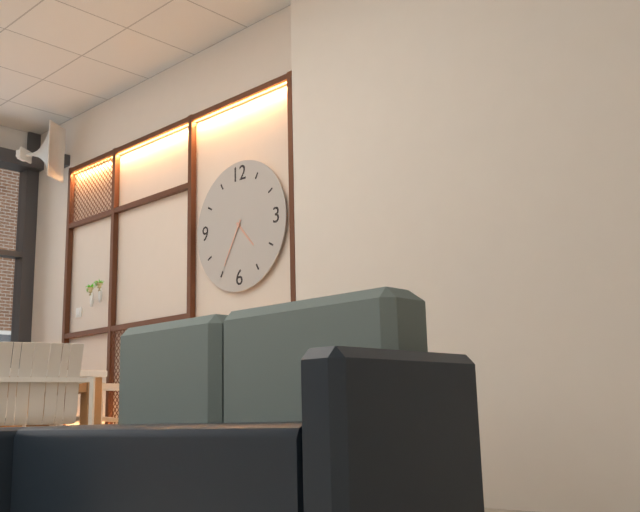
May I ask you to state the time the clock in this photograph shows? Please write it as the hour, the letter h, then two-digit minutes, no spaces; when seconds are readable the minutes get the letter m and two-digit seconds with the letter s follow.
4h35
